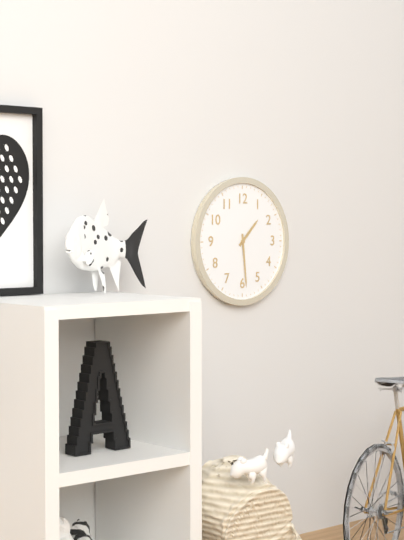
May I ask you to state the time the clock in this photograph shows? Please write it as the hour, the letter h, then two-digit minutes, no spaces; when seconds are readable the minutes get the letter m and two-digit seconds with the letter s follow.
1h29
